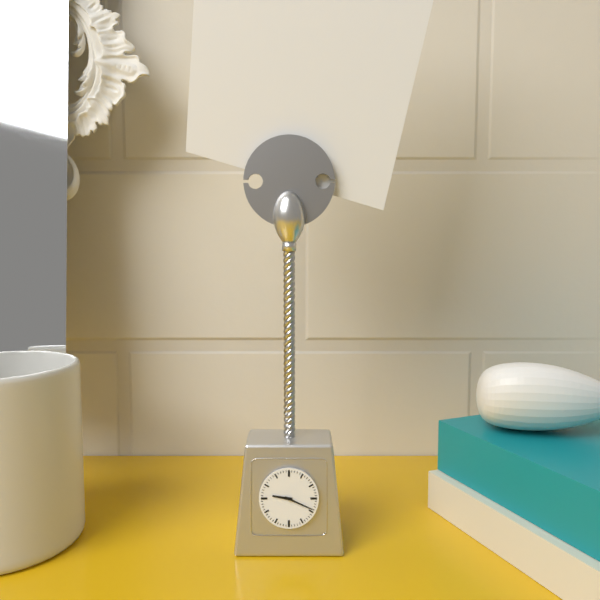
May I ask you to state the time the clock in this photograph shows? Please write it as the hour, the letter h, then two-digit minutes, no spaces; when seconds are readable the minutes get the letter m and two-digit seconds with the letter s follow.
9h19
